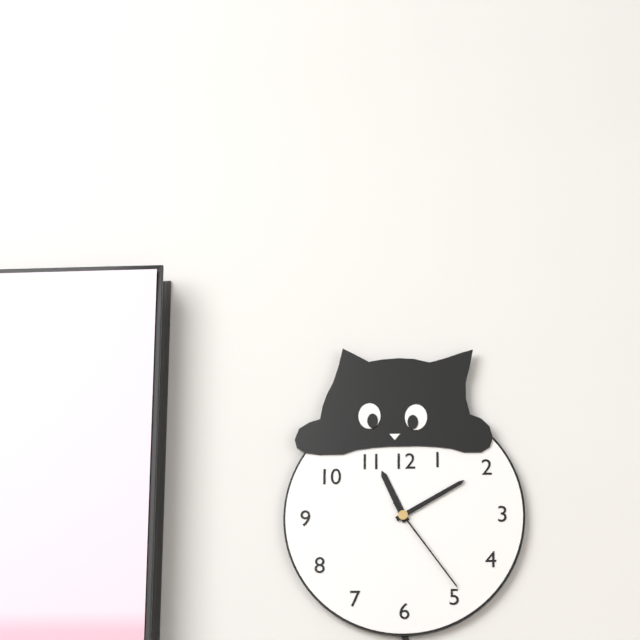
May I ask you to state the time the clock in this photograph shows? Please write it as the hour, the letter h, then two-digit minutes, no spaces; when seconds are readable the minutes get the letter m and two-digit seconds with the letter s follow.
11h10m24s
